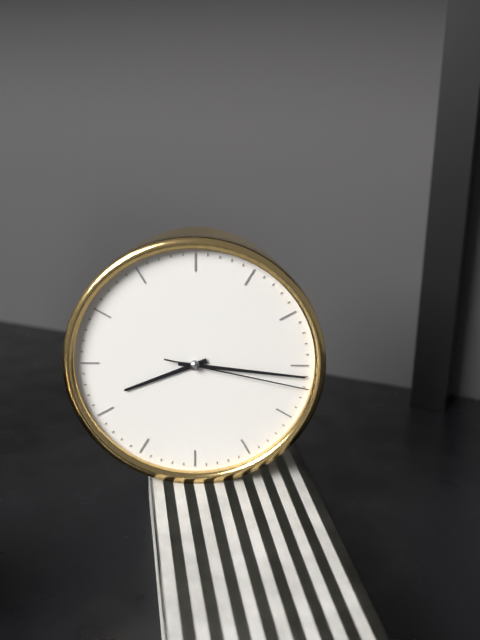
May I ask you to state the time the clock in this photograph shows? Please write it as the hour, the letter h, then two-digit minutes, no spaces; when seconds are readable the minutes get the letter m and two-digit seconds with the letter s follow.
8h16m17s
